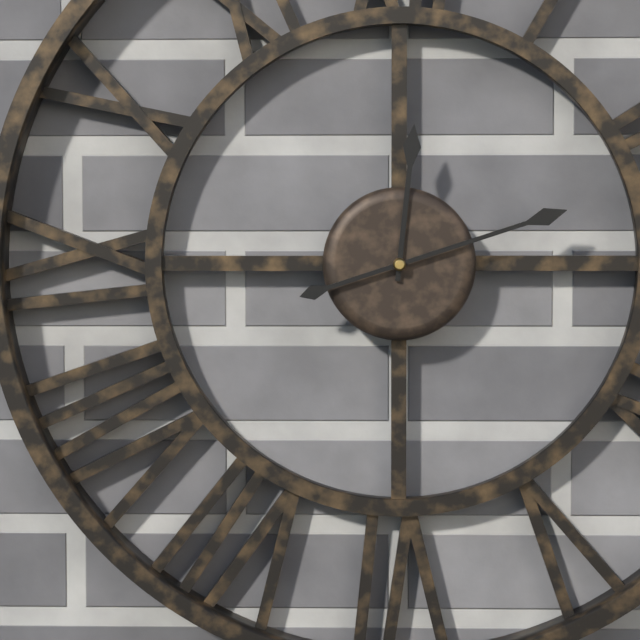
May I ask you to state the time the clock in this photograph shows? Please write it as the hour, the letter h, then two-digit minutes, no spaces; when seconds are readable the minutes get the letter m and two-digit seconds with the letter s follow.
12h12
